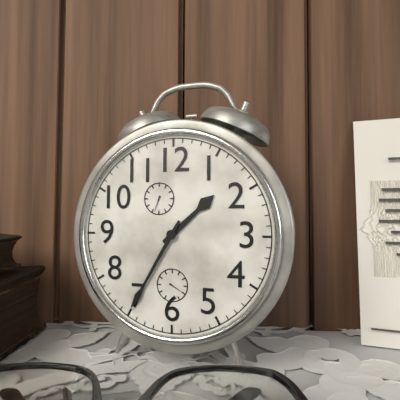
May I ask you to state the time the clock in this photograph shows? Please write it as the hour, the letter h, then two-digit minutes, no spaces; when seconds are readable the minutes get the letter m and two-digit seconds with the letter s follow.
1h35
